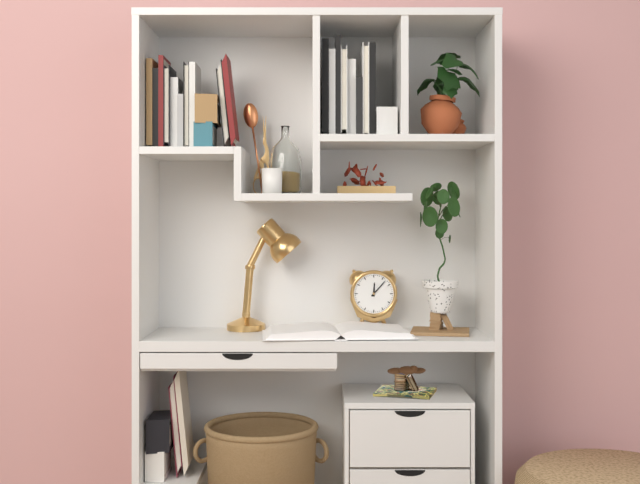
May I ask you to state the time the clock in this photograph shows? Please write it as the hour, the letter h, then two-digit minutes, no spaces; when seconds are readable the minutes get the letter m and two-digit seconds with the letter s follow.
12h07
